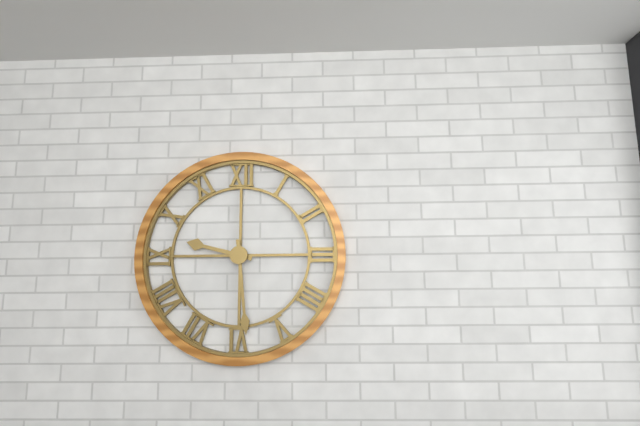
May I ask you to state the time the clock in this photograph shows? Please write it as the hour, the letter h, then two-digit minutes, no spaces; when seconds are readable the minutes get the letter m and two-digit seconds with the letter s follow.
9h29
